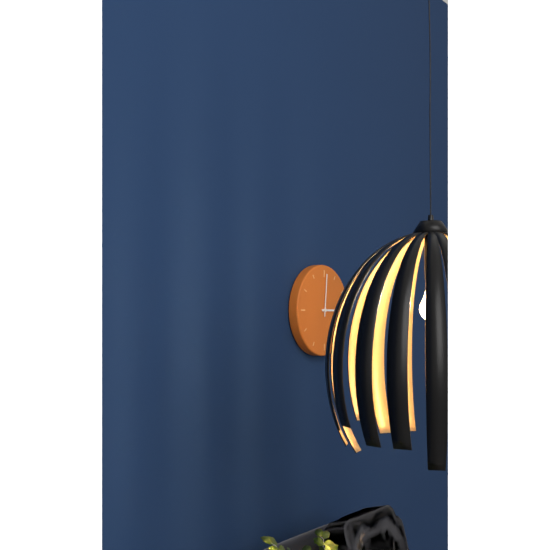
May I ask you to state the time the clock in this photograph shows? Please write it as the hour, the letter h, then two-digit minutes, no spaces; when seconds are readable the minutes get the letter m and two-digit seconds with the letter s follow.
3h01
